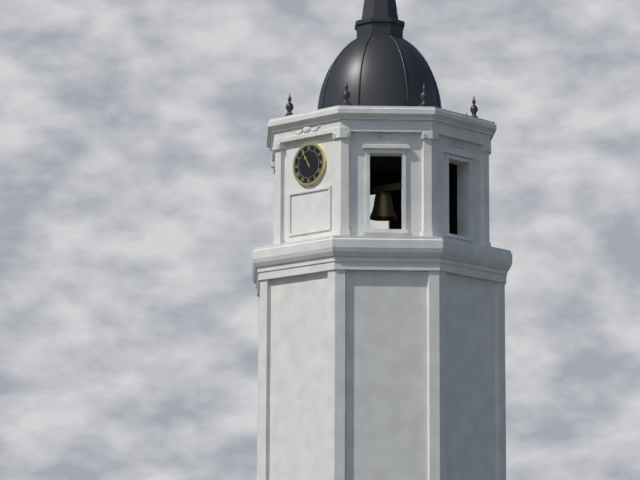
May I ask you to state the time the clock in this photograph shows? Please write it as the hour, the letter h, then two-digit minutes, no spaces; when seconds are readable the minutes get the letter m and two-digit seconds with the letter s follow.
10h55
